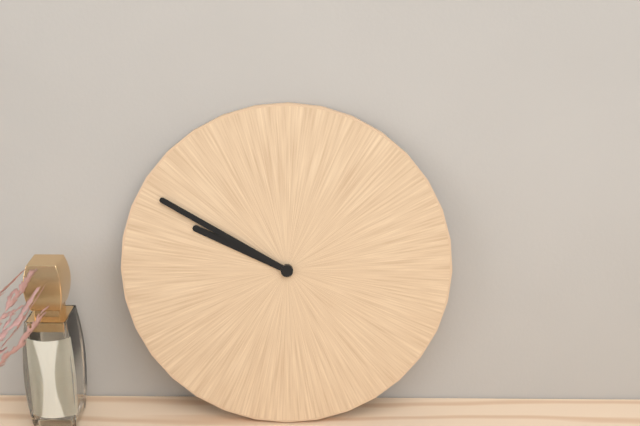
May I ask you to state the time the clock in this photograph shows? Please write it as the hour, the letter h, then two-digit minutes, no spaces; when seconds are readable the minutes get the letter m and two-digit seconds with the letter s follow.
9h50
